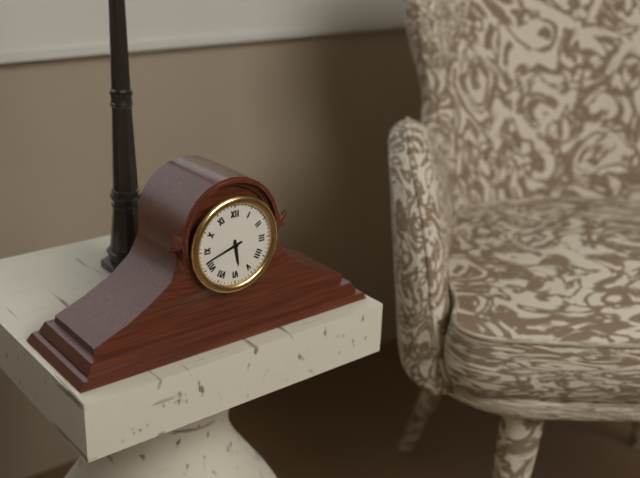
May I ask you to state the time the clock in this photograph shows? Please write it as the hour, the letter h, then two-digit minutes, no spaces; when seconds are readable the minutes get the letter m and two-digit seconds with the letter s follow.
5h42
